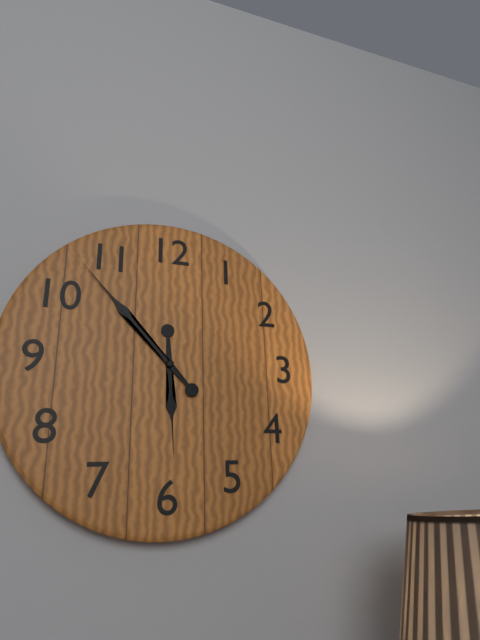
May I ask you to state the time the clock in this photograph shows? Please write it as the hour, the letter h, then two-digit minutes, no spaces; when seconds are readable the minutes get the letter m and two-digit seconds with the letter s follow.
5h53
